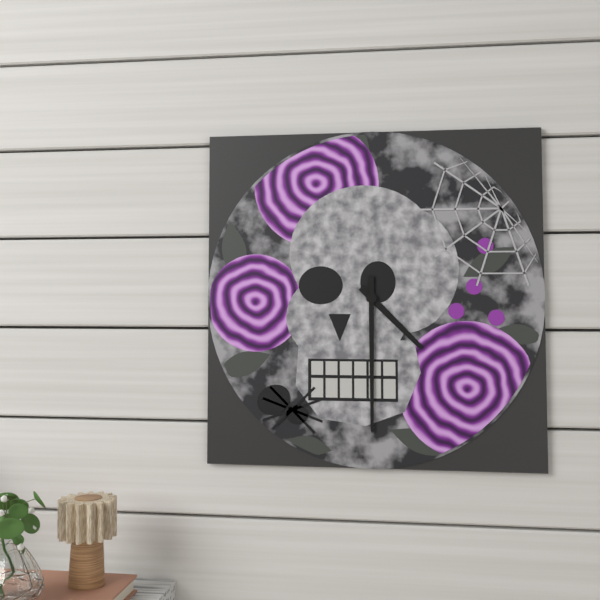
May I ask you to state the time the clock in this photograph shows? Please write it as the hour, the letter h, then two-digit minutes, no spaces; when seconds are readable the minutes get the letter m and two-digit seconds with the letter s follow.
4h30
